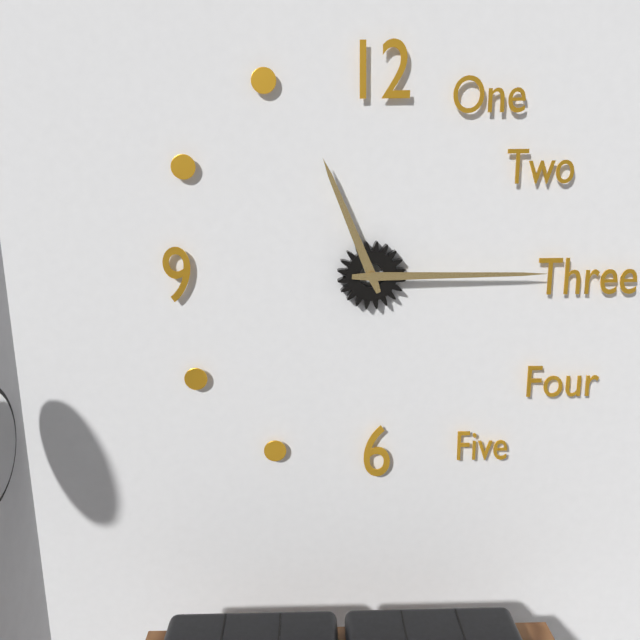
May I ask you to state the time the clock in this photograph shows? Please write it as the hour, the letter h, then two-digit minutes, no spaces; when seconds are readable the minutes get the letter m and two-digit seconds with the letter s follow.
11h15
